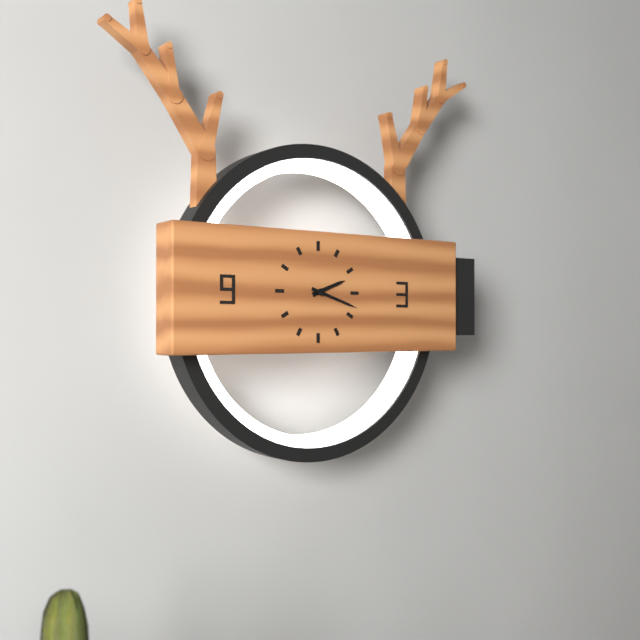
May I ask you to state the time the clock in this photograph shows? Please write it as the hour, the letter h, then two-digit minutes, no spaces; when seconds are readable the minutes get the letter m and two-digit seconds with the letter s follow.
2h18
